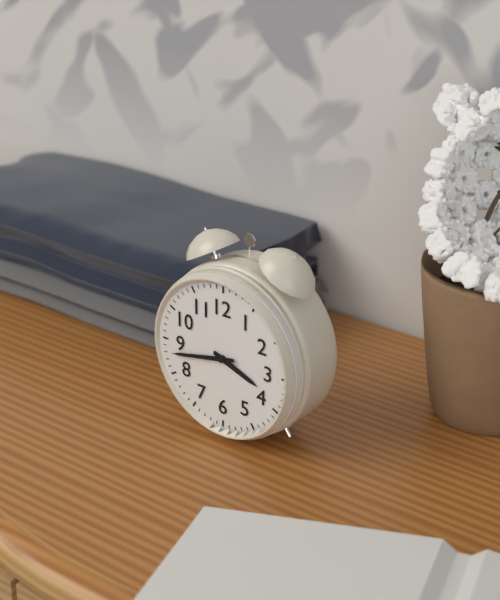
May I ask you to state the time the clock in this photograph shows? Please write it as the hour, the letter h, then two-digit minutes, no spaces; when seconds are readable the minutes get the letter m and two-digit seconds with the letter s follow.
3h43
